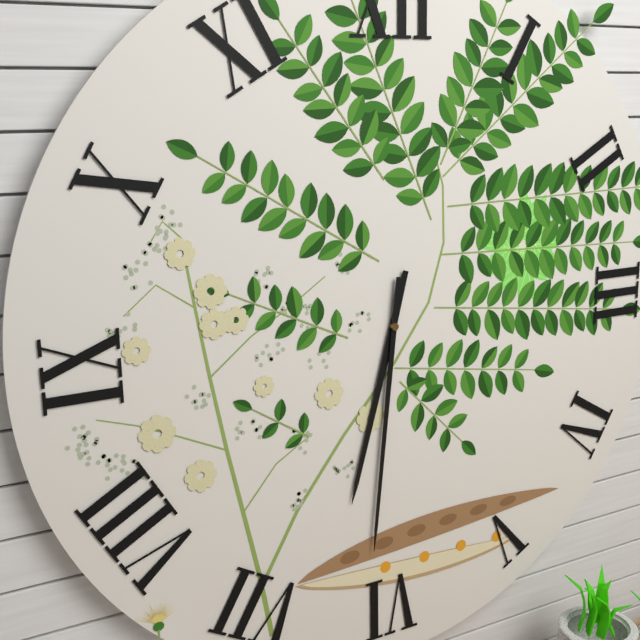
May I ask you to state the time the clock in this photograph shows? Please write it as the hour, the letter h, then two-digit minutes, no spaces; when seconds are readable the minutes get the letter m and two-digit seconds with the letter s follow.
6h31
